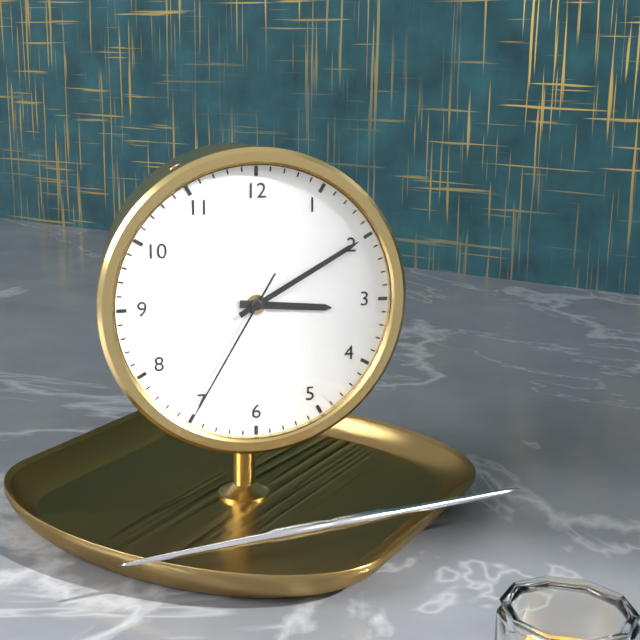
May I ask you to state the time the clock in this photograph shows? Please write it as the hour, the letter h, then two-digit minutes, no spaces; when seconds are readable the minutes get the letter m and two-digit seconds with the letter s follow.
3h10m35s
